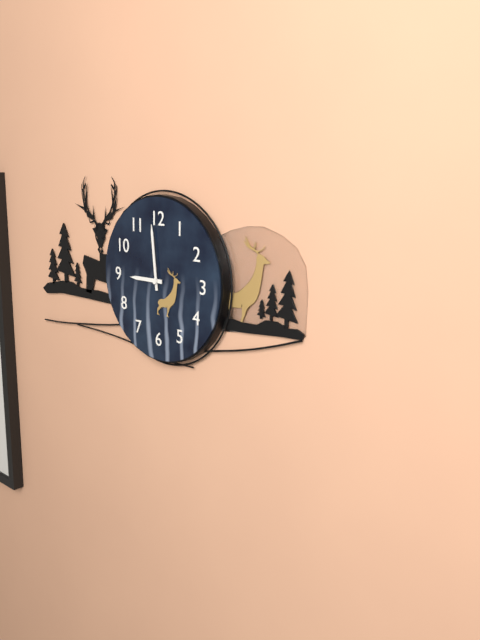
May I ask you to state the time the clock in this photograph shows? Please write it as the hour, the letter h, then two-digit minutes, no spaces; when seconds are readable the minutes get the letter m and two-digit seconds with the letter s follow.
8h59
